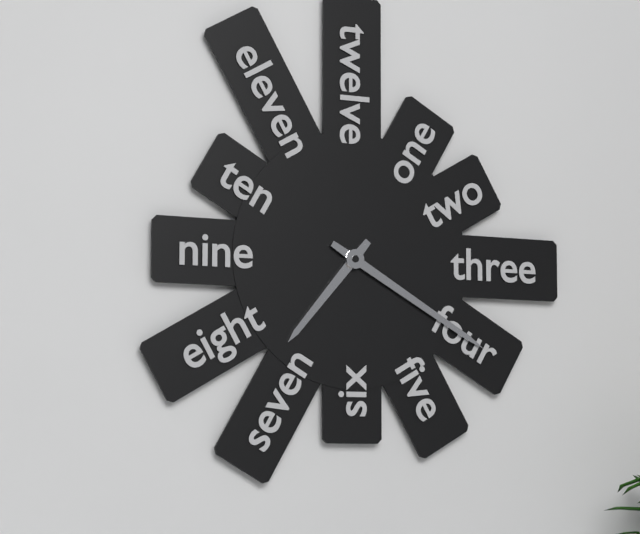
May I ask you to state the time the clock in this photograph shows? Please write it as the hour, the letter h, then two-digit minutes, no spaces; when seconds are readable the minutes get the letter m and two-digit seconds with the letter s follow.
7h20
